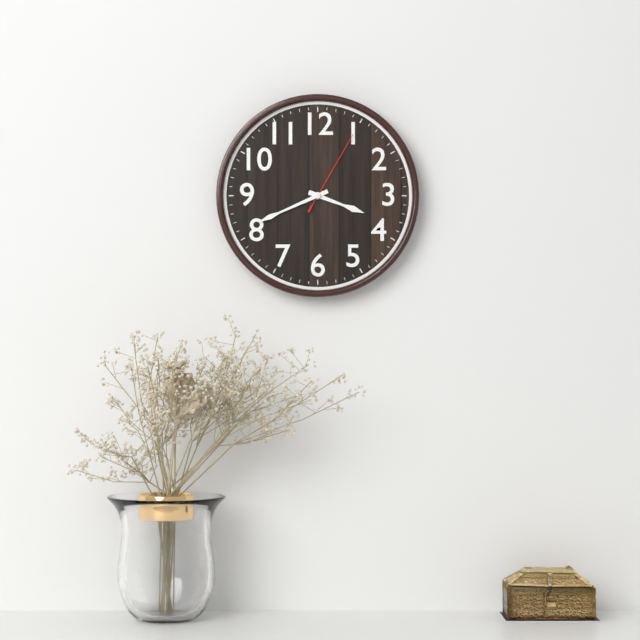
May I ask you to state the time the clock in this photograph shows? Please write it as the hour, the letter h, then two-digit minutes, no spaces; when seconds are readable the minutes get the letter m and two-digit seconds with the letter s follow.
3h41m05s
